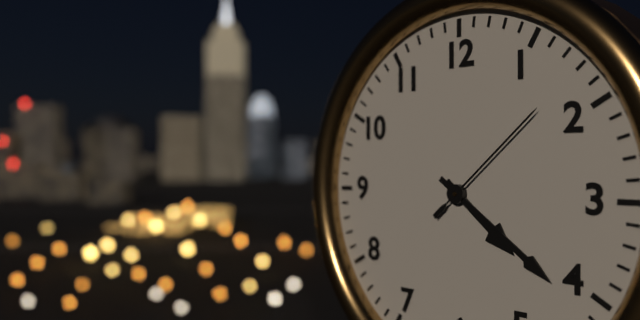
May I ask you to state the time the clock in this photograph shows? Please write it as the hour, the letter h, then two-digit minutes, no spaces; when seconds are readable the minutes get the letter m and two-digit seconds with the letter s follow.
4h21m08s
